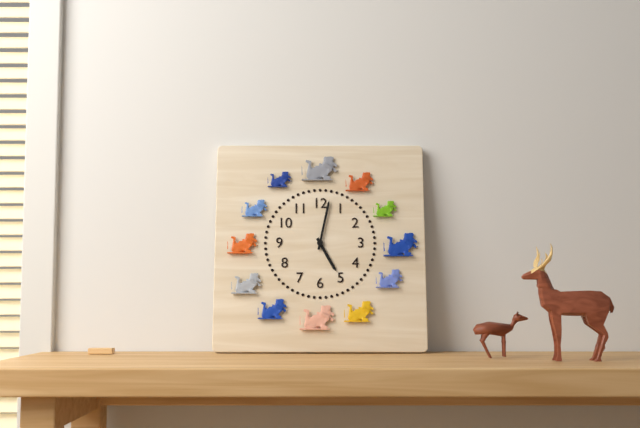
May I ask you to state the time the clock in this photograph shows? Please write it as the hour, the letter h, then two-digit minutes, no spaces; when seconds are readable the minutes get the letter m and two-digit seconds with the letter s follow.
5h02
